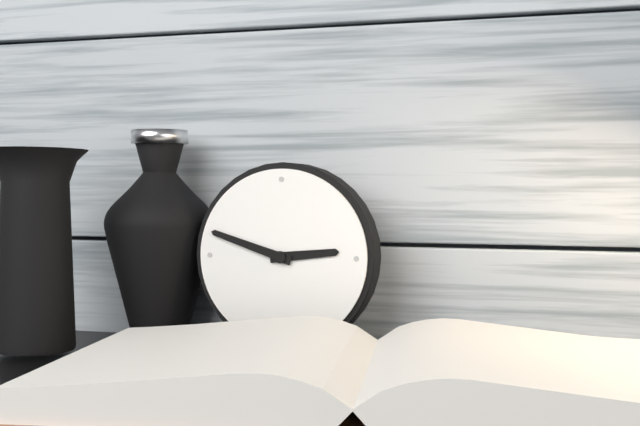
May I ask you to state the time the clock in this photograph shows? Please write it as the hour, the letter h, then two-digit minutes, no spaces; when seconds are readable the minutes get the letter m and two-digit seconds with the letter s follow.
2h48
